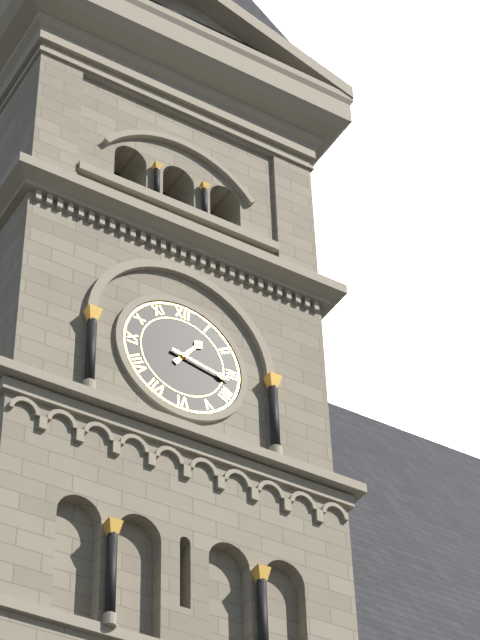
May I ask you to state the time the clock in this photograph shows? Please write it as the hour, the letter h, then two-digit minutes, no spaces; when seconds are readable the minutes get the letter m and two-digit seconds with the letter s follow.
1h17
